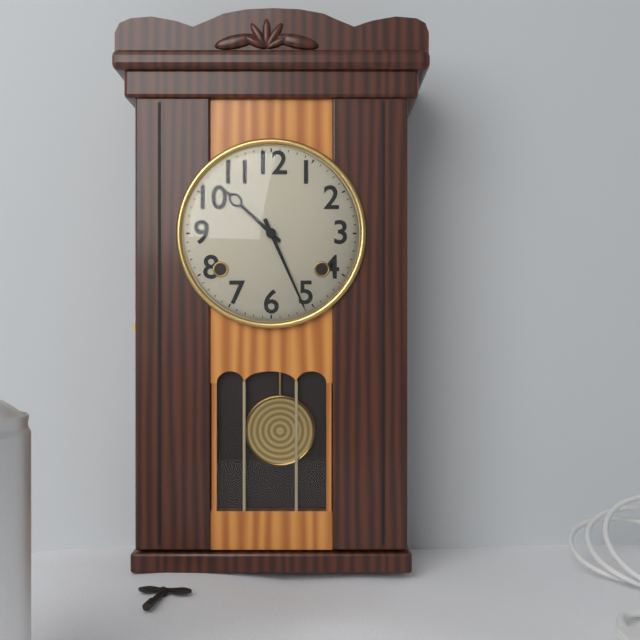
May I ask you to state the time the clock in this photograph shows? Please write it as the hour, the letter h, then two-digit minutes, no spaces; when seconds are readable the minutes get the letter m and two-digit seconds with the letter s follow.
10h26
